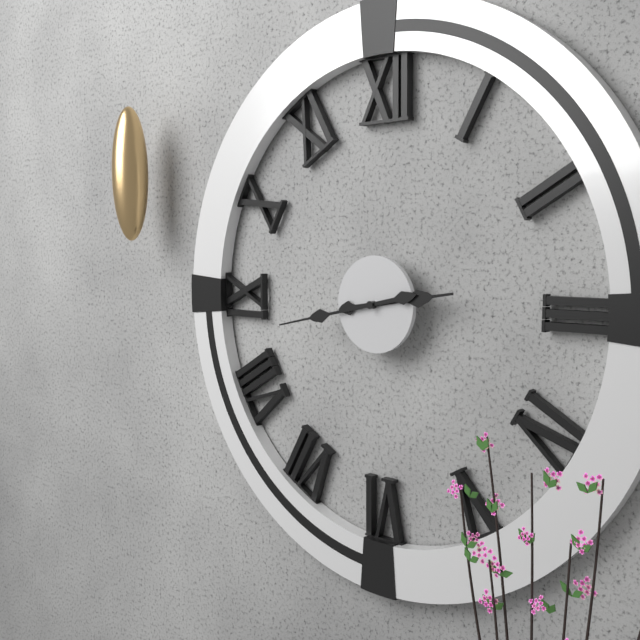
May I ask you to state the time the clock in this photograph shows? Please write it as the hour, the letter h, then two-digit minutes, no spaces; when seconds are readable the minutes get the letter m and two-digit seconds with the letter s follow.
2h43
